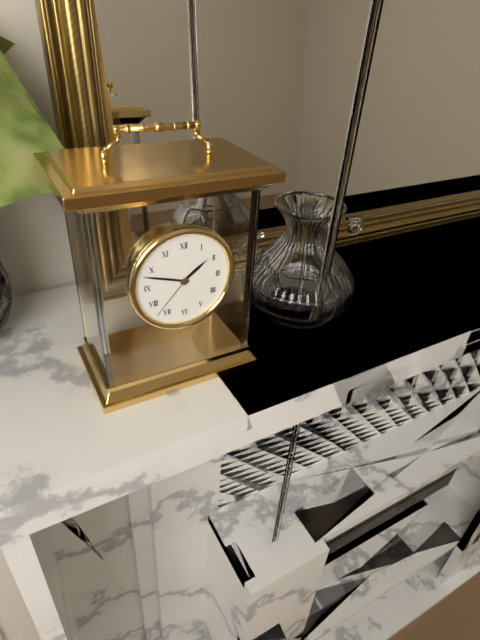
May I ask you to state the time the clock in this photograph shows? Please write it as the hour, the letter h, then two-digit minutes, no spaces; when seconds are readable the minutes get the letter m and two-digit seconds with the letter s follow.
1h48m37s
